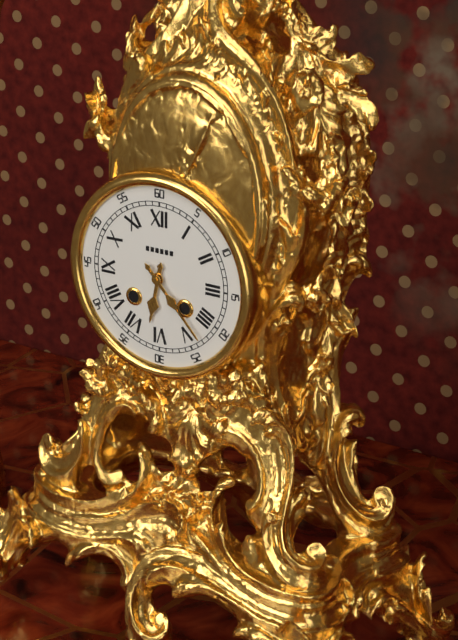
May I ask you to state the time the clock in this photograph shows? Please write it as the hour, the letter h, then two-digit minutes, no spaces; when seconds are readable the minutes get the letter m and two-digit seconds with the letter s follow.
6h23
